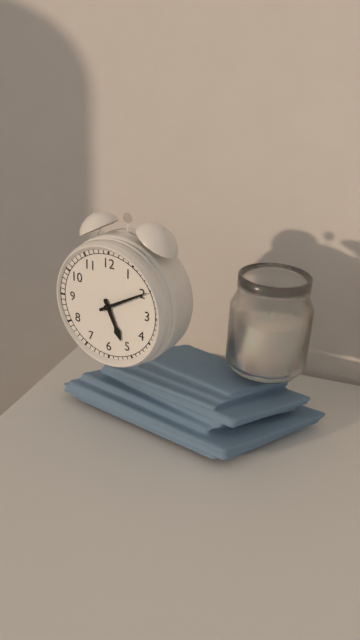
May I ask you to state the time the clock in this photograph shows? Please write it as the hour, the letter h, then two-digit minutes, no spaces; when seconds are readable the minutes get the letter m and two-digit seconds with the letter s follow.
5h10
